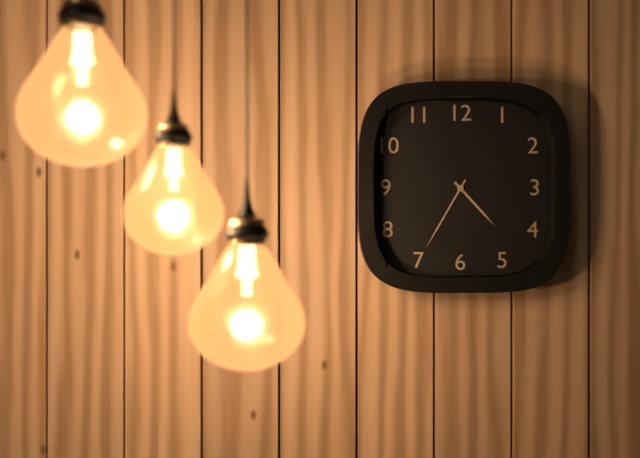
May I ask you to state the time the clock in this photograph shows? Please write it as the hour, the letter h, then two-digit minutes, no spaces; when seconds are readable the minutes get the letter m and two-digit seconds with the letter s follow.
4h35
